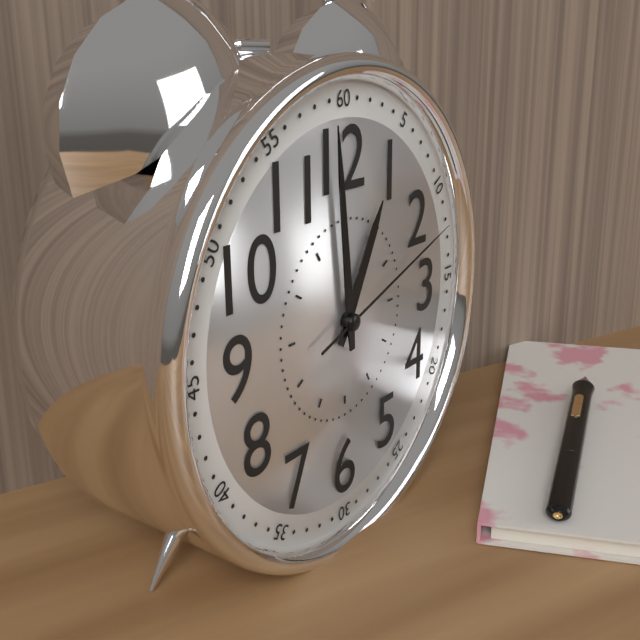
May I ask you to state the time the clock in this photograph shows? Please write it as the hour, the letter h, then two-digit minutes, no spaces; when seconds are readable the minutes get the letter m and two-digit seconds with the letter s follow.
12h59m12s
